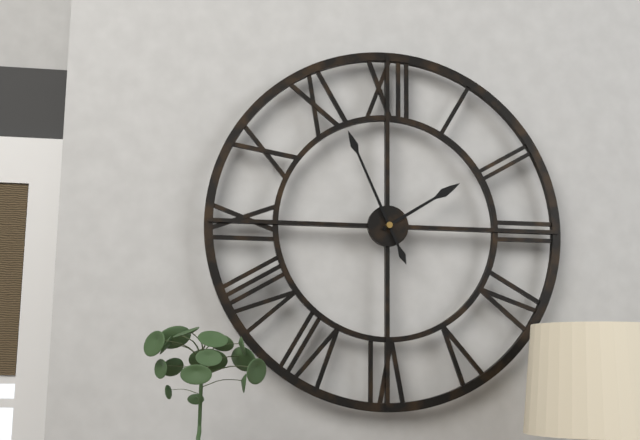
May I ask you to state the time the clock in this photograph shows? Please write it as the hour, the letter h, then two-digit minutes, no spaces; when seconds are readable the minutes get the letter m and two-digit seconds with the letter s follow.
1h56
